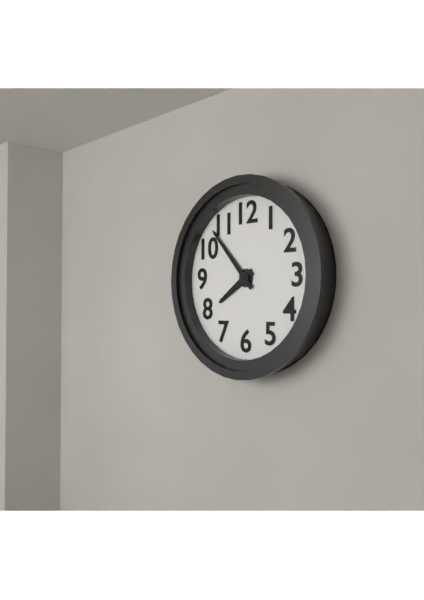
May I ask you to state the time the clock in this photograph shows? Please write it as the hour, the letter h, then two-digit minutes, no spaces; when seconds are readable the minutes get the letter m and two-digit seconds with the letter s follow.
7h53
